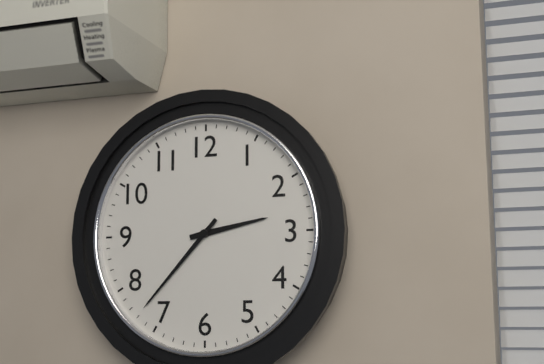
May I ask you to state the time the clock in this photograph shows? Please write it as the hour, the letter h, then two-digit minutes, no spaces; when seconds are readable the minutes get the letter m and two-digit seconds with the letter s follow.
2h37
